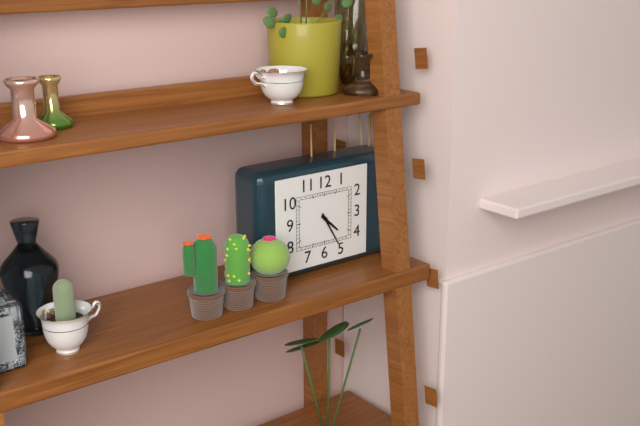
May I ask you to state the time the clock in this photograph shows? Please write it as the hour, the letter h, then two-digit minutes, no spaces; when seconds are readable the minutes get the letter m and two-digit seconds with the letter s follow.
4h25
